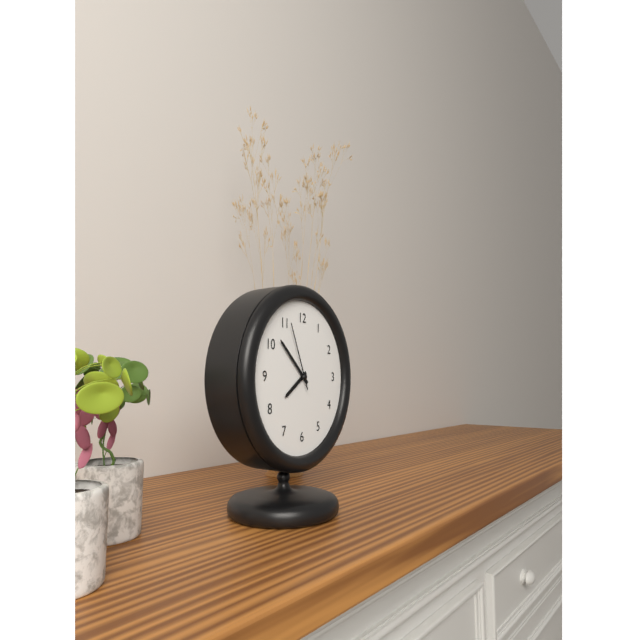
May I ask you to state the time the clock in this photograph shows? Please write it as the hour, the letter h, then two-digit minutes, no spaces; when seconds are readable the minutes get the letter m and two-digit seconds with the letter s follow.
7h52m56s
